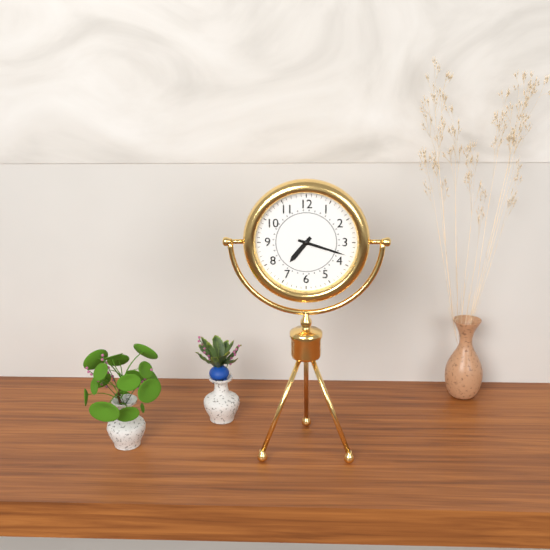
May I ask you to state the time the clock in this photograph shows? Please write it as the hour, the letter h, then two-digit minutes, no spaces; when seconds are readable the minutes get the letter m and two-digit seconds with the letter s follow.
7h18
